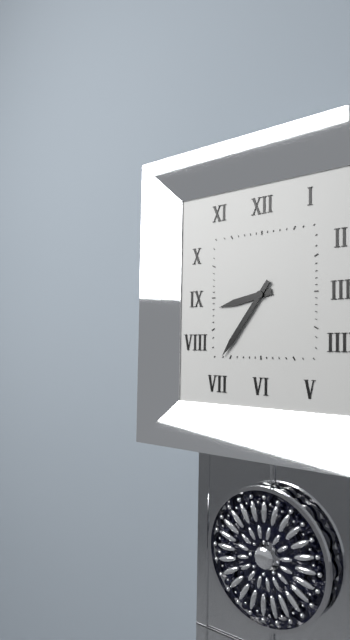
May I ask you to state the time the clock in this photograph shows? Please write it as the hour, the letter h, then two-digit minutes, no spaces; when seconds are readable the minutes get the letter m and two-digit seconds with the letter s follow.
8h36
